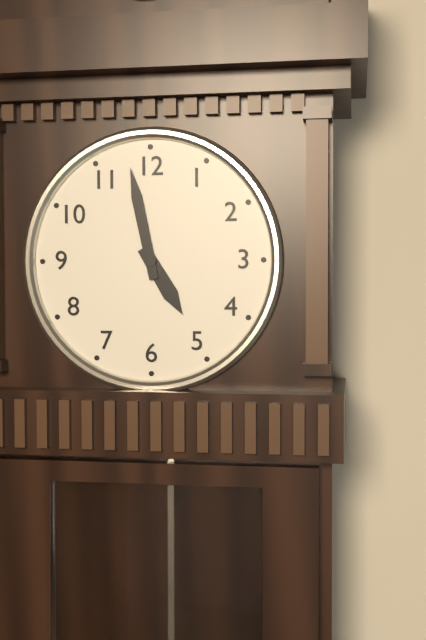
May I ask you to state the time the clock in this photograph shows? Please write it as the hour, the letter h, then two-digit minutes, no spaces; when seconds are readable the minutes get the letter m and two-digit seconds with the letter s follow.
4h58
